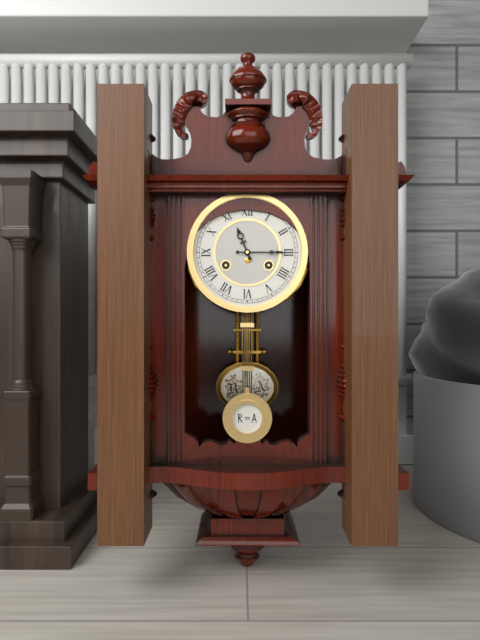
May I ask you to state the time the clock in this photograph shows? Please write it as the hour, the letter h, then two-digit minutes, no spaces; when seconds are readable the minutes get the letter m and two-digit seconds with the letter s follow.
11h15
